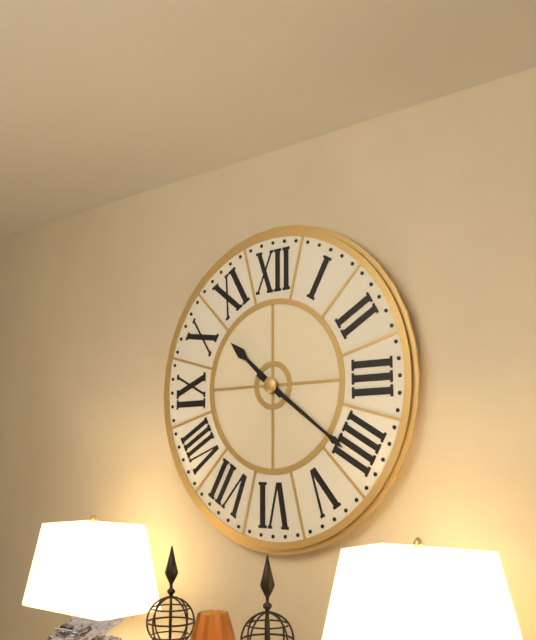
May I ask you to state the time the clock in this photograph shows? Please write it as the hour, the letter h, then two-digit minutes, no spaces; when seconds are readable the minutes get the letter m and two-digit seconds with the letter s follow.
10h21
